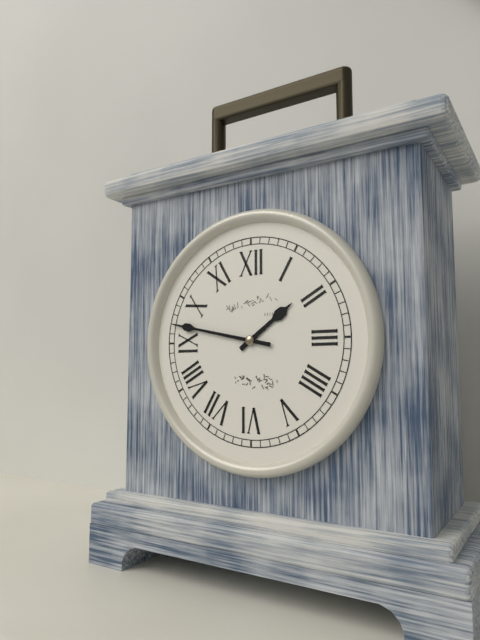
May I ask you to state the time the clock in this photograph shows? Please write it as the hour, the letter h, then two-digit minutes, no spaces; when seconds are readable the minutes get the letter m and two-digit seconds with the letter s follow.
1h47
